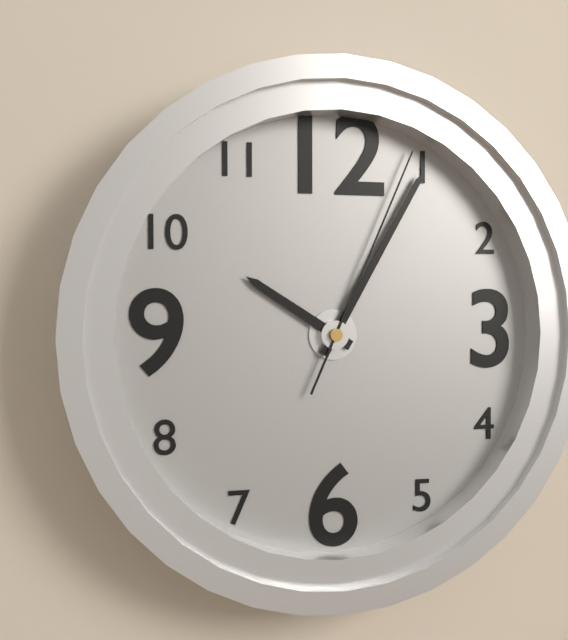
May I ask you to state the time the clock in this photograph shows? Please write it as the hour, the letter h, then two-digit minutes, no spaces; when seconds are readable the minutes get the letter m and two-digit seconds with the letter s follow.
10h05m04s
